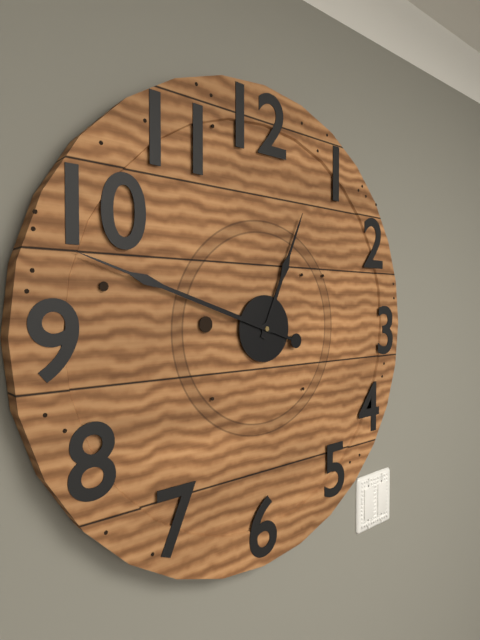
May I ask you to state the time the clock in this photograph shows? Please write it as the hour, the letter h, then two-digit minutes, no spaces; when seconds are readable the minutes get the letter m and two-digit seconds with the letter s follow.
12h48
